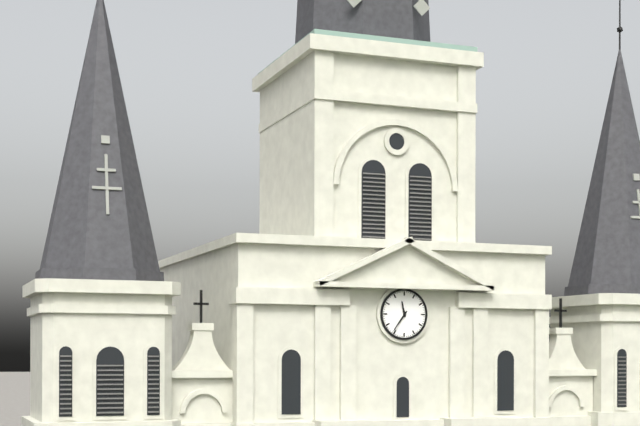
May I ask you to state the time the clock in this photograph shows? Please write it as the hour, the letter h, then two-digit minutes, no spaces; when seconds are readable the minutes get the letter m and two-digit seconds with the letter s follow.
11h36
